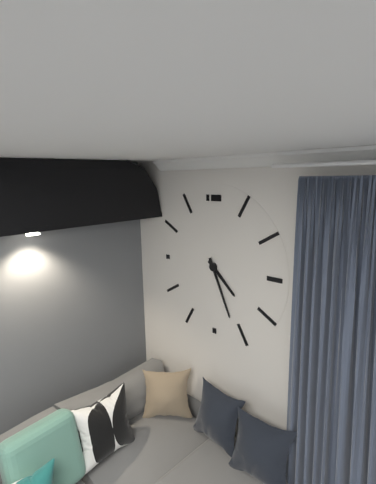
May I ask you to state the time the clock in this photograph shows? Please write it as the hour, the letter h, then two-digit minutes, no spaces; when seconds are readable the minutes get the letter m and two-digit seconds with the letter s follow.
4h26
